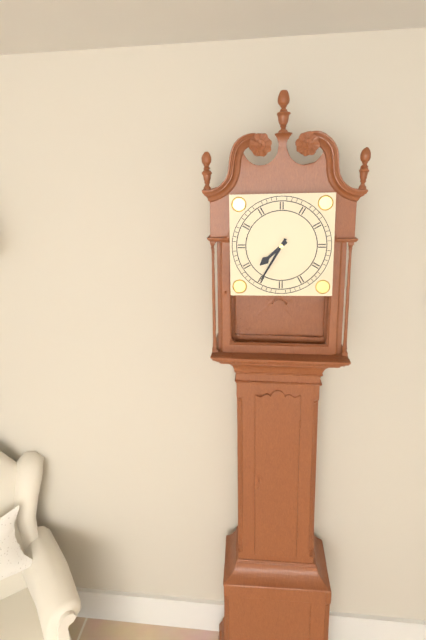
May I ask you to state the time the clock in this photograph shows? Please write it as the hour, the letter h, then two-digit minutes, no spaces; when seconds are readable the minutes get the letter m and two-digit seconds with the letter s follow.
7h35
